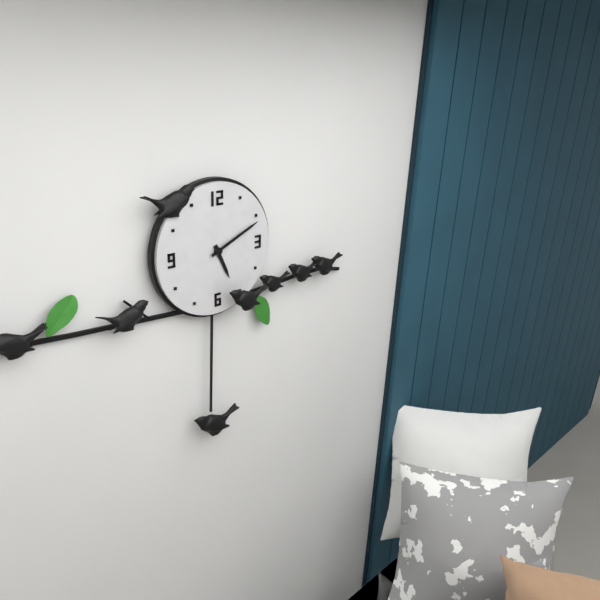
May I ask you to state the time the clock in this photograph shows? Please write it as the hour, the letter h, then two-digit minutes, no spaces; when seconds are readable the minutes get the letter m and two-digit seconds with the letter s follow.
5h11
